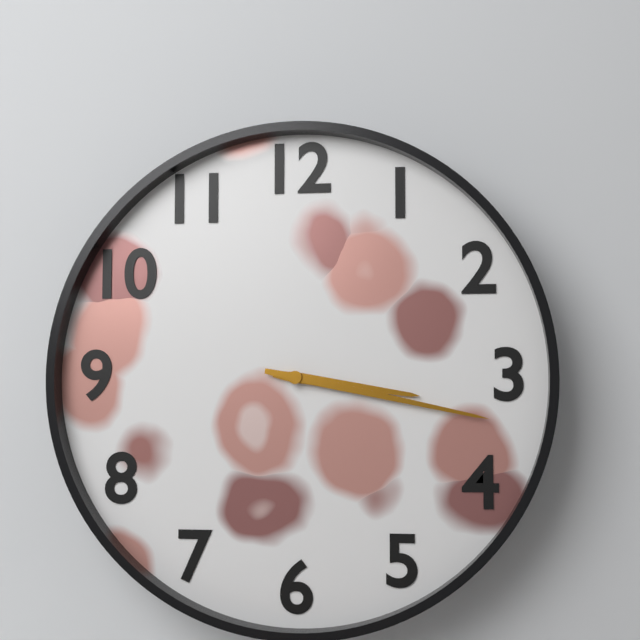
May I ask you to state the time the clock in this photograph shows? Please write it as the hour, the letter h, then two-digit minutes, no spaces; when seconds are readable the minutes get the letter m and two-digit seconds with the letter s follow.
3h17
